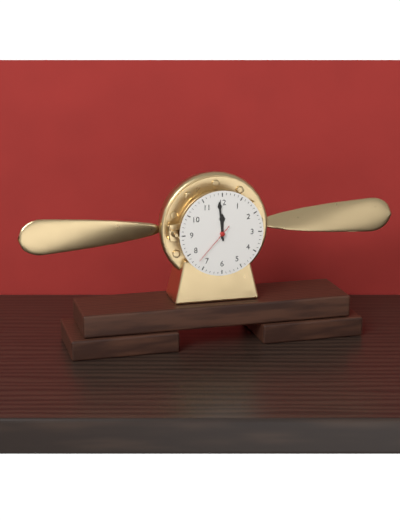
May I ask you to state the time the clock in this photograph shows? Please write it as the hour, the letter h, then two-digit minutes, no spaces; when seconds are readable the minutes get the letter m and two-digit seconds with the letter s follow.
11h59
